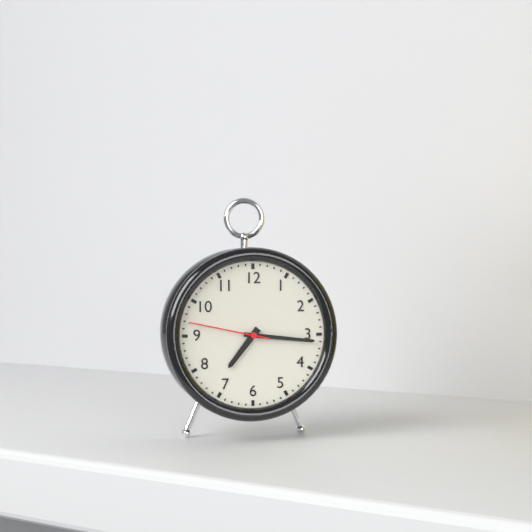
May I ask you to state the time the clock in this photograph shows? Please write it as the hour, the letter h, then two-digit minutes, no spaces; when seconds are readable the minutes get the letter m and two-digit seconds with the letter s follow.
7h16m47s
